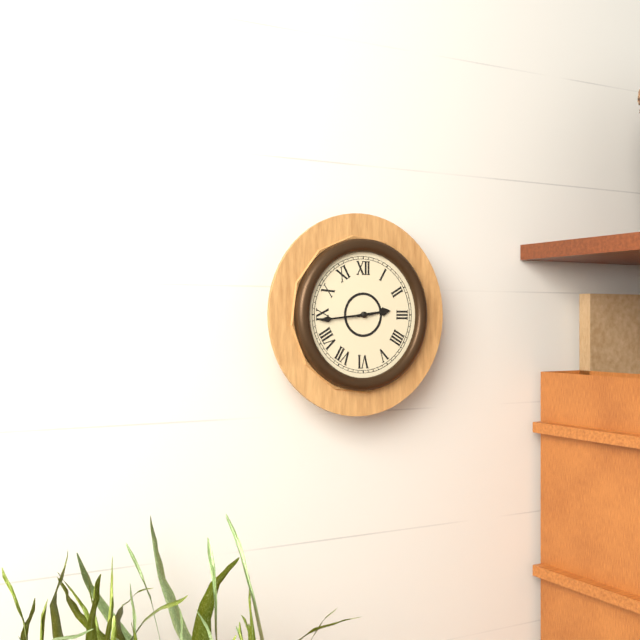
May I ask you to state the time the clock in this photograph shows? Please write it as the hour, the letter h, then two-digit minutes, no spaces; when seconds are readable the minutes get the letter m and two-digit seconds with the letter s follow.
2h44
